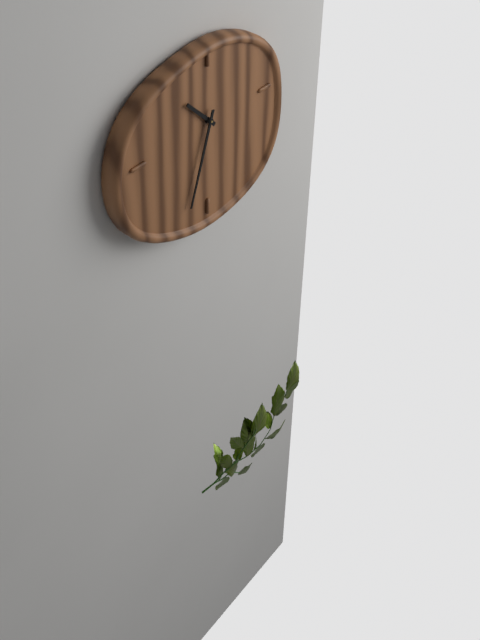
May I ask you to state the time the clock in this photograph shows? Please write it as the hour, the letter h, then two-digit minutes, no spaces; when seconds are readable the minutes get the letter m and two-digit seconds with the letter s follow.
10h33
